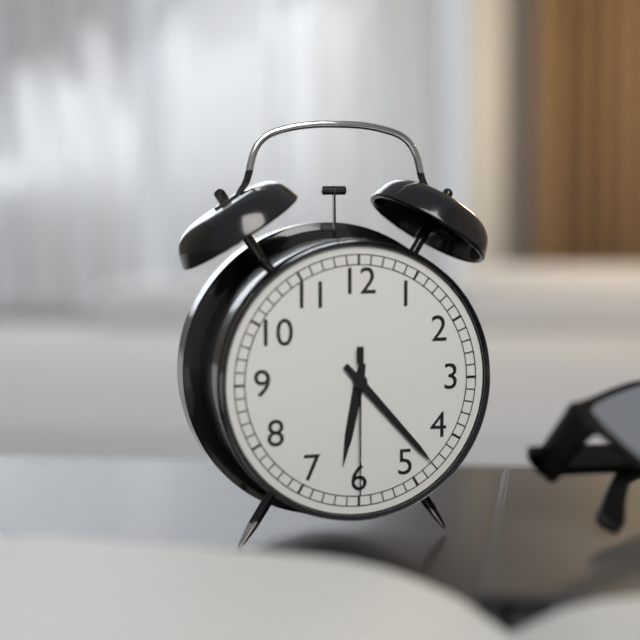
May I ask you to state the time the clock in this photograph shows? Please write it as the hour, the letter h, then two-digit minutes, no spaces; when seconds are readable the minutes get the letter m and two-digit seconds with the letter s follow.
6h23m30s
